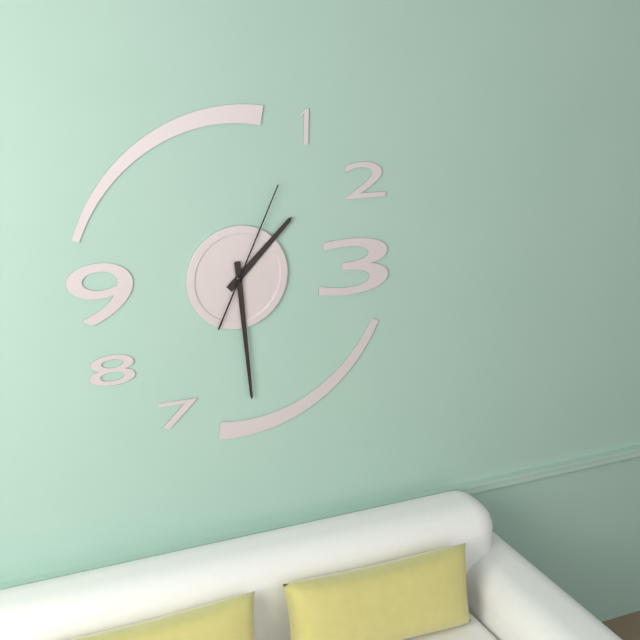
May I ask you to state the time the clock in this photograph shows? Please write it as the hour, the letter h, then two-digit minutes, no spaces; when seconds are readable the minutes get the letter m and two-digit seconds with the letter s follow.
1h29m04s
